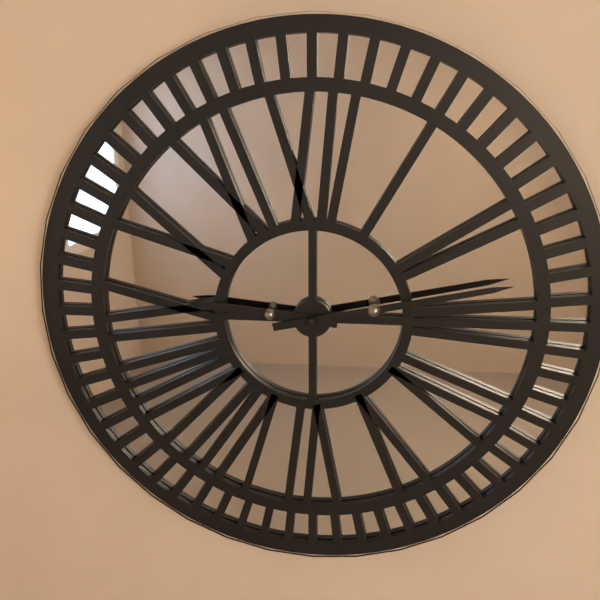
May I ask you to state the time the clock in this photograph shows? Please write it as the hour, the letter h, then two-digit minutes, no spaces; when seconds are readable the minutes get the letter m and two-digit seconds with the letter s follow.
9h13
